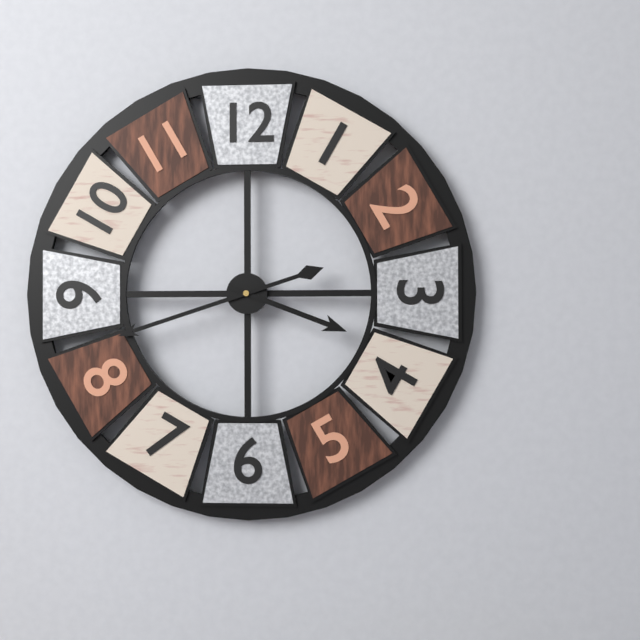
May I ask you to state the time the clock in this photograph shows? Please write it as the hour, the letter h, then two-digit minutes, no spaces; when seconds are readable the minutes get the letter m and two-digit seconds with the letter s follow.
3h42
